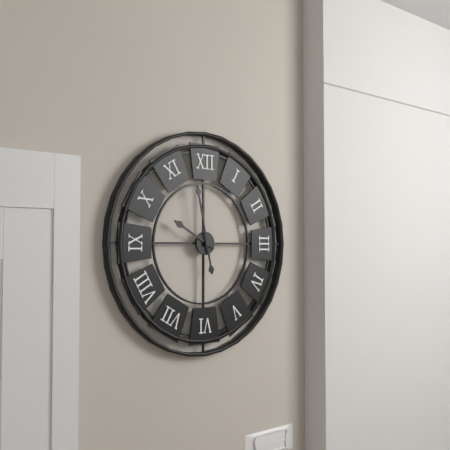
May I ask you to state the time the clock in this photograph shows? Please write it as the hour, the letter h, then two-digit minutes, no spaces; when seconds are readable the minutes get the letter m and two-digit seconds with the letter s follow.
9h58
